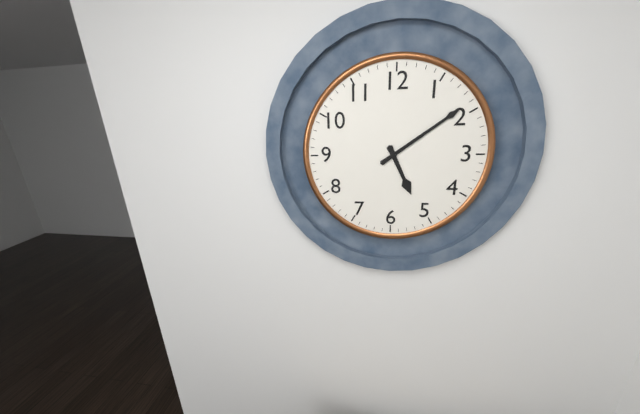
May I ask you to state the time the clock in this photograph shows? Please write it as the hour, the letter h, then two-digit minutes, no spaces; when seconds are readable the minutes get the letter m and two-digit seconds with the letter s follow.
5h09
